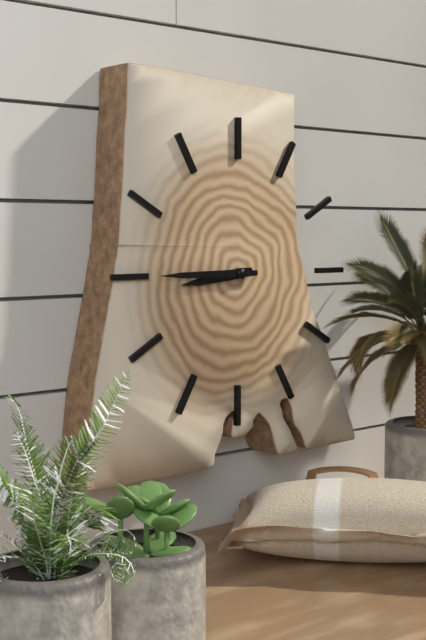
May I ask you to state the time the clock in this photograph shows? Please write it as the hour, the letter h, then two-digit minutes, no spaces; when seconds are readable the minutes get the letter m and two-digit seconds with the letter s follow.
8h45
